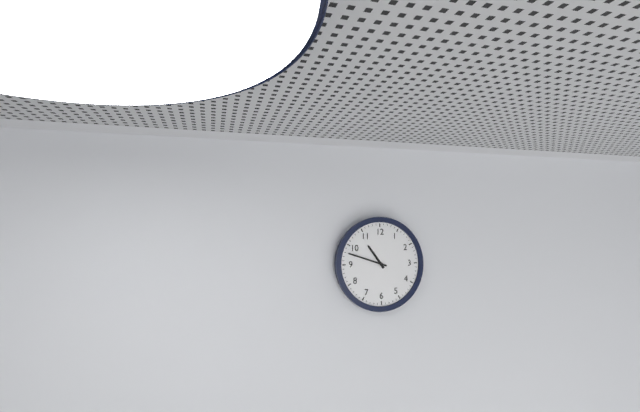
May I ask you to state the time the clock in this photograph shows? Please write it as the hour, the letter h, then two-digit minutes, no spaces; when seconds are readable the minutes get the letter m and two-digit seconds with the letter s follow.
10h48
